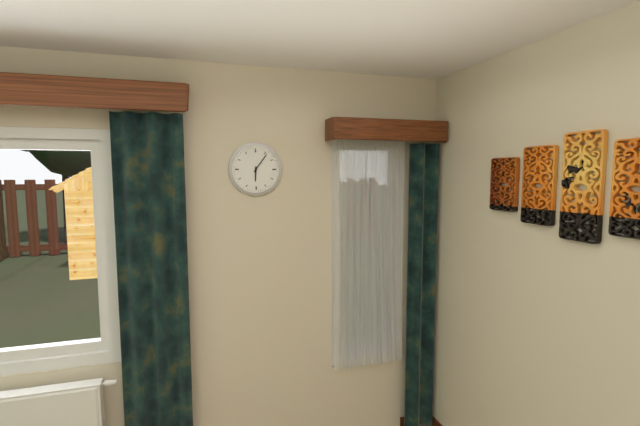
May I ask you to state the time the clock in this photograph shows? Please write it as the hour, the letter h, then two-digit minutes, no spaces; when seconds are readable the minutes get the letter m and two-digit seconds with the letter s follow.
6h06
